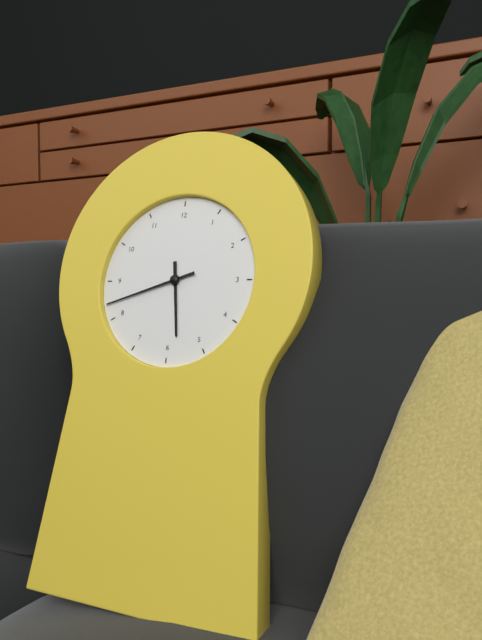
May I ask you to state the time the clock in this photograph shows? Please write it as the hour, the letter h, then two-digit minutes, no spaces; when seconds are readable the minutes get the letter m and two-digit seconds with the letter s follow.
5h42
